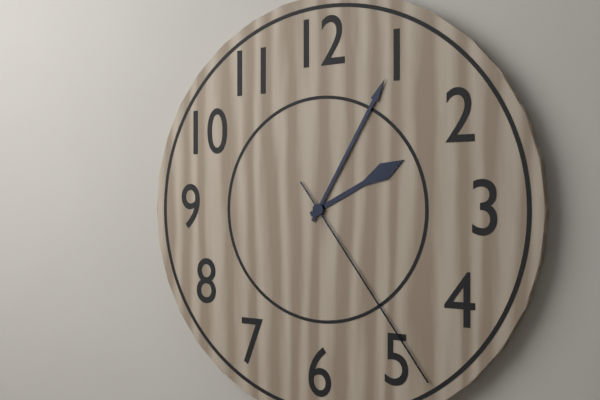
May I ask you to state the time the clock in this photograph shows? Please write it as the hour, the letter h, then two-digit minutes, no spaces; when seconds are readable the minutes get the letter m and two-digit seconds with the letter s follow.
2h05m24s
